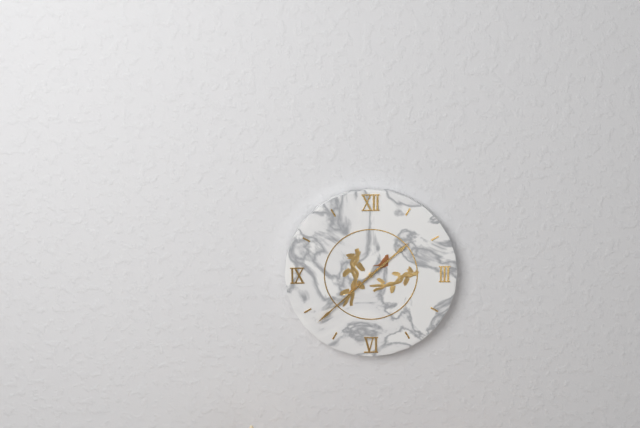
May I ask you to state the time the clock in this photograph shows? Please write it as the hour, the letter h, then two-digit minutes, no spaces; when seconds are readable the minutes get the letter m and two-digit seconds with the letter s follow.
1h38
